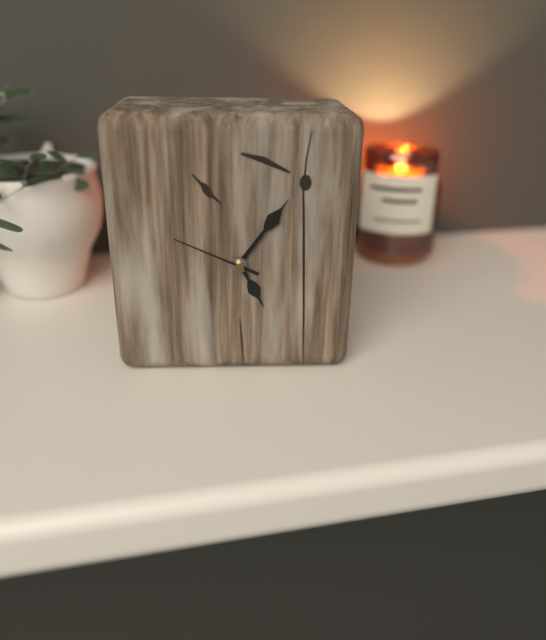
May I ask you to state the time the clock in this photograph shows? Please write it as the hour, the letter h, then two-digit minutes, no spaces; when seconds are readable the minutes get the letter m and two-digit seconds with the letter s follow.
5h06m49s
